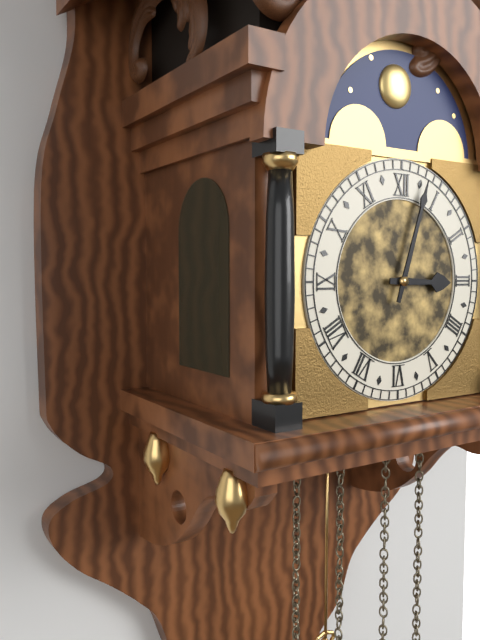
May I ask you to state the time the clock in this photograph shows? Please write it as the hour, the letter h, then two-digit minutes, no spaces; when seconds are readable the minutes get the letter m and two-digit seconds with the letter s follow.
3h03
